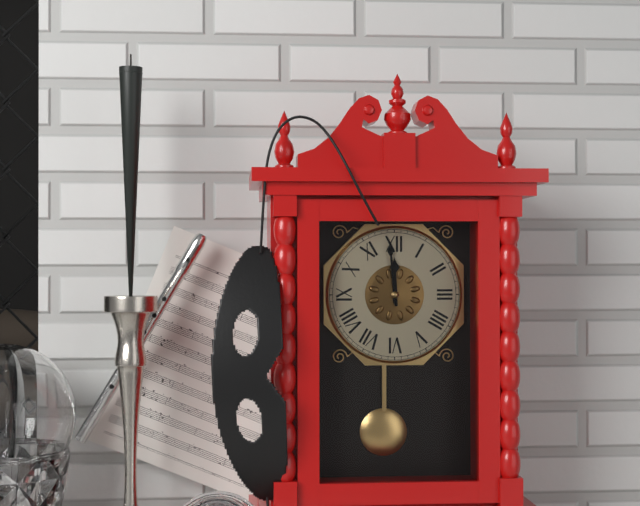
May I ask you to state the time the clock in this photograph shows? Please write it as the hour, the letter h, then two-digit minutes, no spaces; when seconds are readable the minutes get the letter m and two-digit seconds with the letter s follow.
11h59
